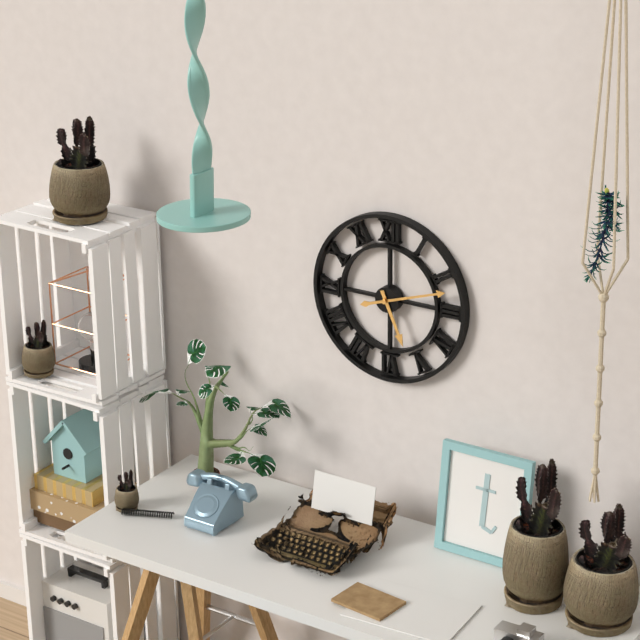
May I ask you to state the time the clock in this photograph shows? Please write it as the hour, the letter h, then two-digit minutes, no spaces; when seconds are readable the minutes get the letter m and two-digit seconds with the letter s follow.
5h12
